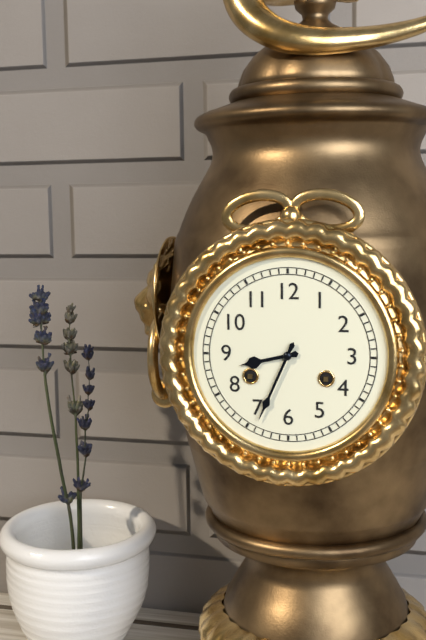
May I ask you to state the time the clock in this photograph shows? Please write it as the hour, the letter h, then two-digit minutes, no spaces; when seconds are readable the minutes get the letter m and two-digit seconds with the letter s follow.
8h34
